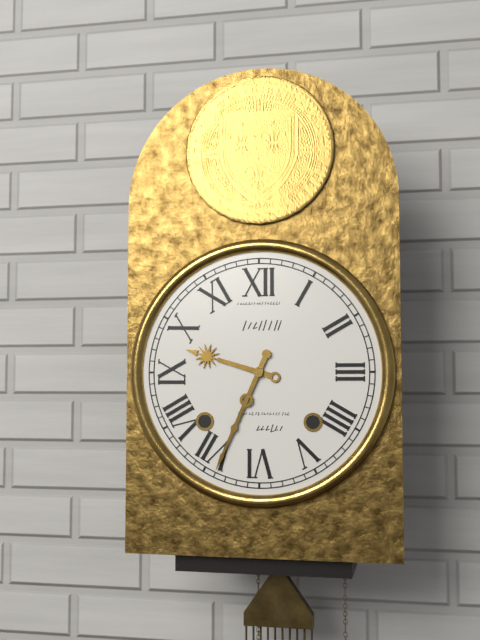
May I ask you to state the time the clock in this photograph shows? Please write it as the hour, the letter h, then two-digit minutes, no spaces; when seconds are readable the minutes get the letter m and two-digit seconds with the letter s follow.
9h34
